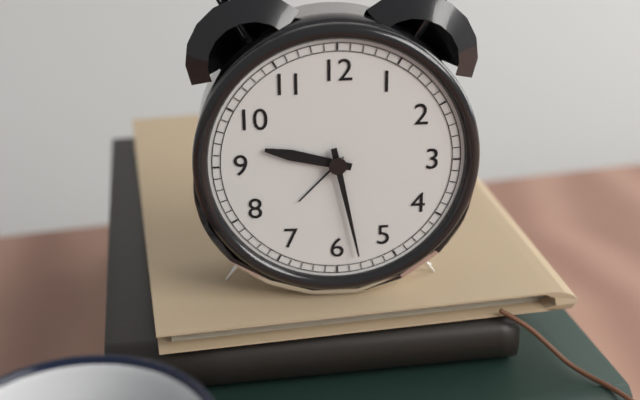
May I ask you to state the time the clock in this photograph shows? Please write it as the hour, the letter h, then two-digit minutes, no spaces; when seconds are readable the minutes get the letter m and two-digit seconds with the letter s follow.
9h28
